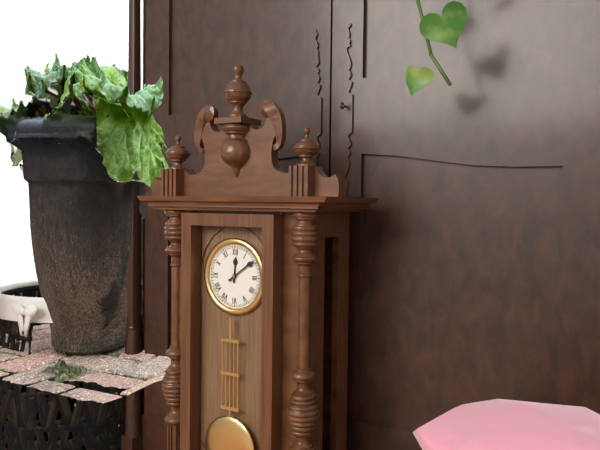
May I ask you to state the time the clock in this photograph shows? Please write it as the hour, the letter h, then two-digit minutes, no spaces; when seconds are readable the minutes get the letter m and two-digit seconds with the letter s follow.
12h09
